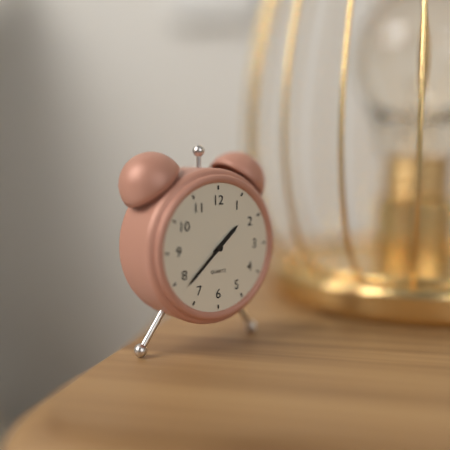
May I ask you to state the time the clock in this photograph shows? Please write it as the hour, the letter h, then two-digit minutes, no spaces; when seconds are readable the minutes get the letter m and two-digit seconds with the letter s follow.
1h38
